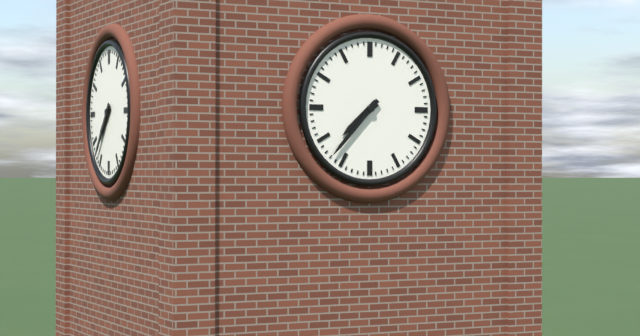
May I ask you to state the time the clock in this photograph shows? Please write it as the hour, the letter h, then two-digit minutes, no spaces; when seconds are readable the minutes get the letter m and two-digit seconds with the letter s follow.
7h37
